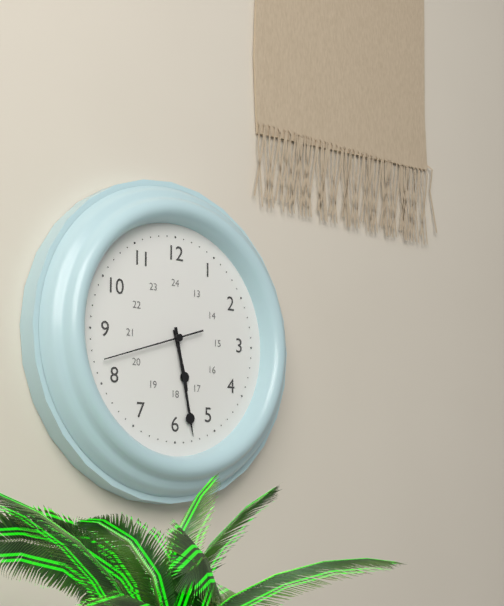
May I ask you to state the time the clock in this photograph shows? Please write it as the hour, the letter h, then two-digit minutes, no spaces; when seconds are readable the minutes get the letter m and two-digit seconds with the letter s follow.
5h28m42s
